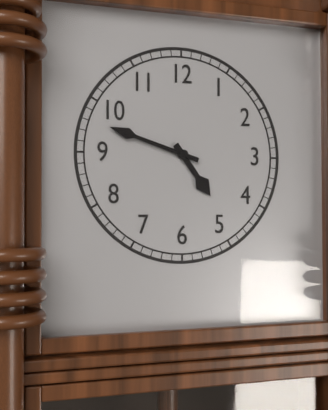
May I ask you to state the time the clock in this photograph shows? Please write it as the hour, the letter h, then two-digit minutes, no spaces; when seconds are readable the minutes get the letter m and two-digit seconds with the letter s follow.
4h48
